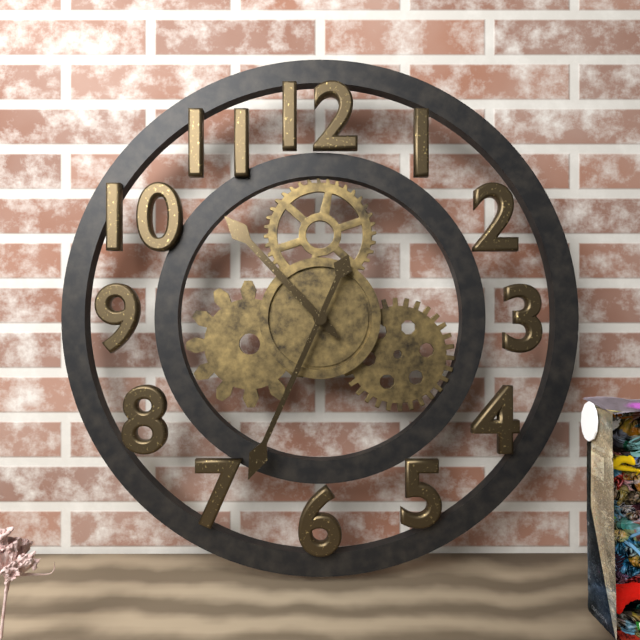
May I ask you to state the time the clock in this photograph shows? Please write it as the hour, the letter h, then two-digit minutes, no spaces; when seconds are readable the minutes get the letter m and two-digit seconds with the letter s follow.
10h34
